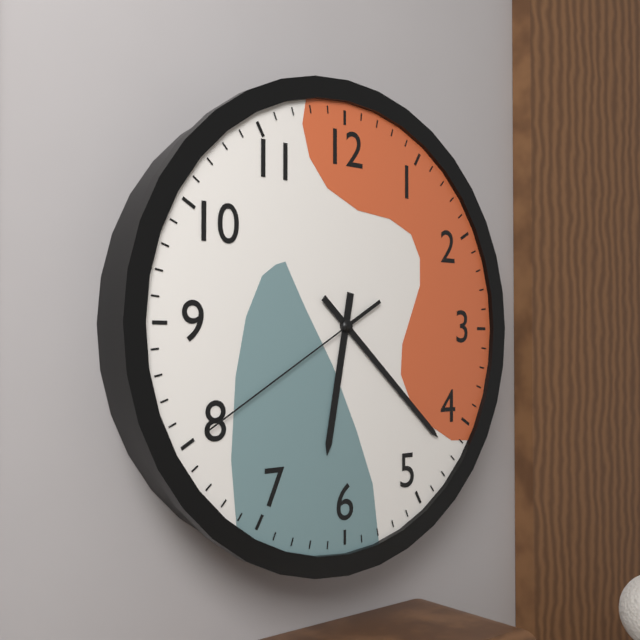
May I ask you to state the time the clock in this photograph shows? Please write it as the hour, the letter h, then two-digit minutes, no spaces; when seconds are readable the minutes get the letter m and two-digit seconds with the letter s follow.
6h22m40s
